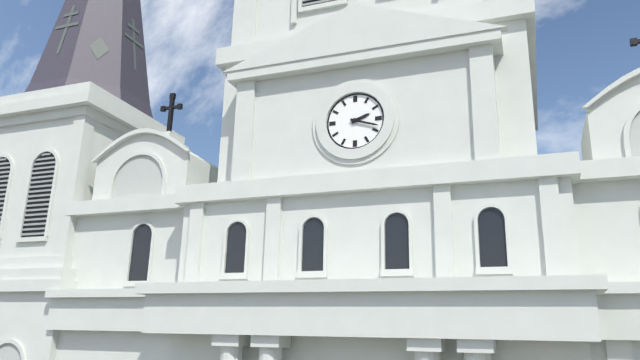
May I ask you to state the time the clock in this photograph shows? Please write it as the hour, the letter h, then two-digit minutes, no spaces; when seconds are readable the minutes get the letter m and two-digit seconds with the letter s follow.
2h18
